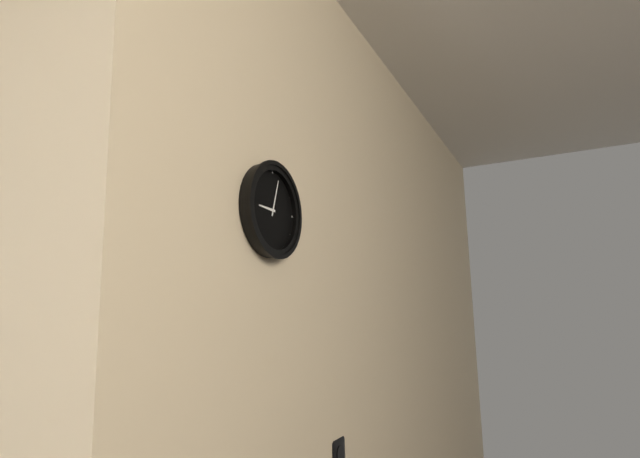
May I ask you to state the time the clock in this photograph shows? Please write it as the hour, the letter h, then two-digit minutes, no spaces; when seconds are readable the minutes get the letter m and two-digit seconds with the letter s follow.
9h03
